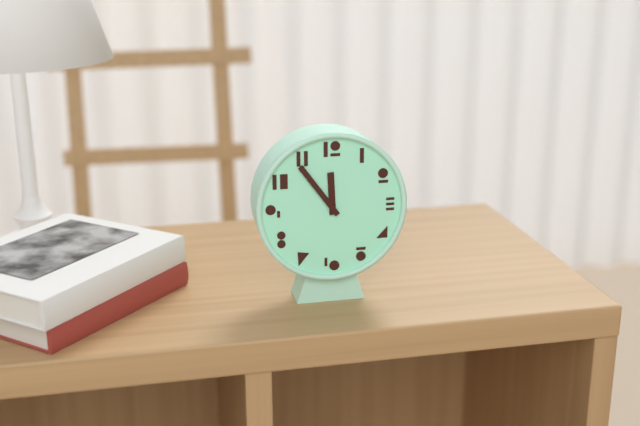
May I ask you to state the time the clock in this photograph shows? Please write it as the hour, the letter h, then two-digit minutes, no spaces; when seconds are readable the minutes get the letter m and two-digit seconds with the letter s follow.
11h54
